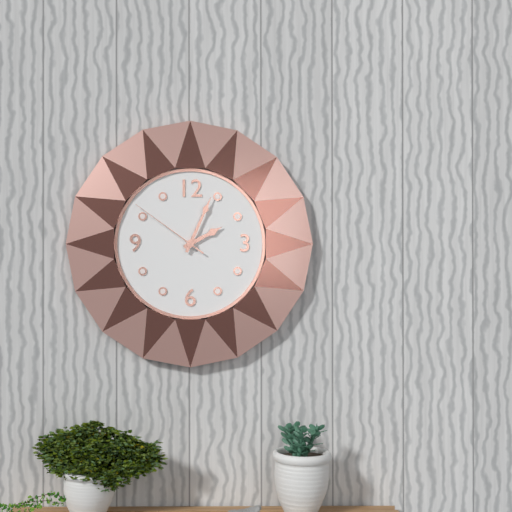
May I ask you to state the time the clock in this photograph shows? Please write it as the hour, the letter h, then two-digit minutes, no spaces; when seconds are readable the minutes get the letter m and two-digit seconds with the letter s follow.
2h04m51s
